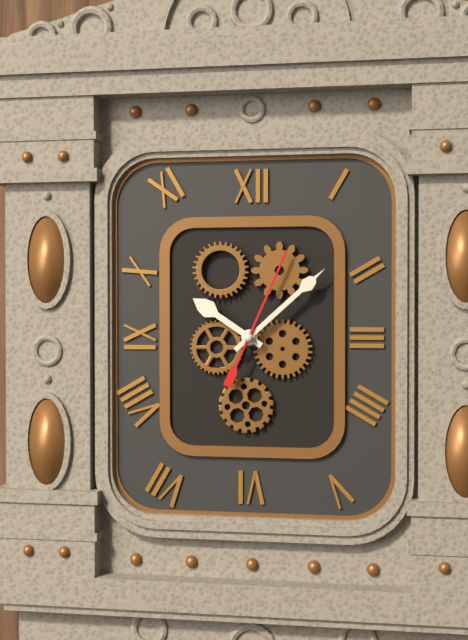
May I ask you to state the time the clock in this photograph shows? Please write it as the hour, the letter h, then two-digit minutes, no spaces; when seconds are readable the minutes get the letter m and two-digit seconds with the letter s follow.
10h08m04s
